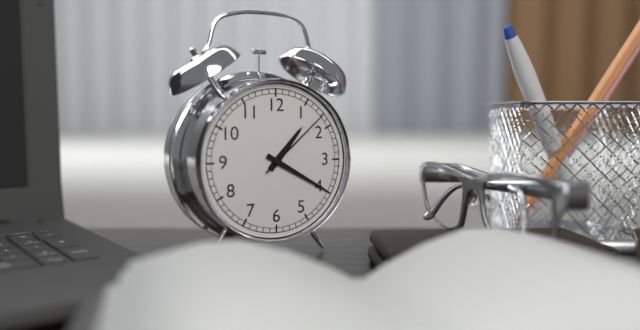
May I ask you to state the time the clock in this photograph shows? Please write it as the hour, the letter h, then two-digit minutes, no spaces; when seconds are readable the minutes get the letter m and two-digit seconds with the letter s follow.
1h20m08s
